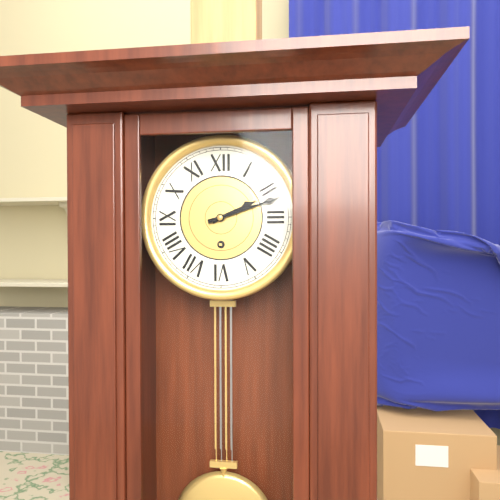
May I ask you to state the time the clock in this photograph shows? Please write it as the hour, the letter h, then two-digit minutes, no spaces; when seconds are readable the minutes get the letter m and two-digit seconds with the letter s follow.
2h12
